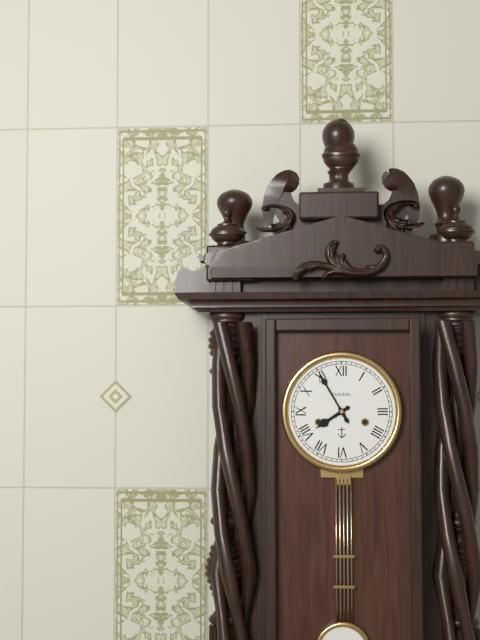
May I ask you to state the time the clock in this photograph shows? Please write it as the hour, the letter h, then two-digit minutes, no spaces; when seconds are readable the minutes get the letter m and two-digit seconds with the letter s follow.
7h55
